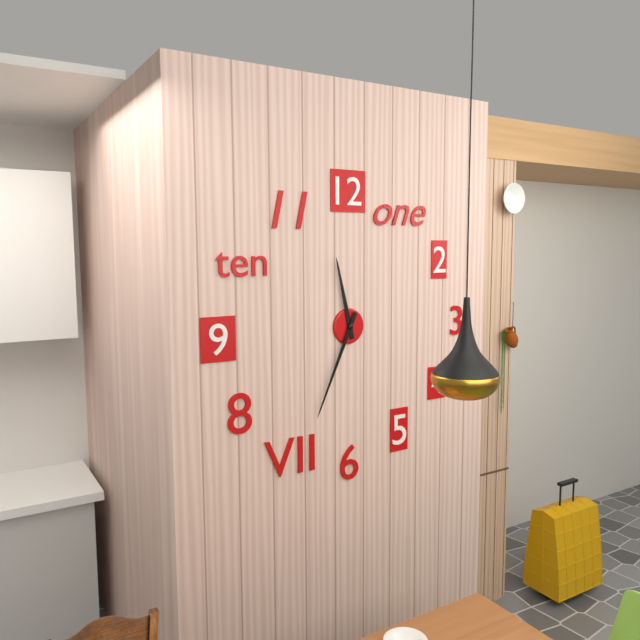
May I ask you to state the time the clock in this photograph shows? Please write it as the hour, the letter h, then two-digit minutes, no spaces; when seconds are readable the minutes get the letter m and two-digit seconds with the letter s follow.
11h34
